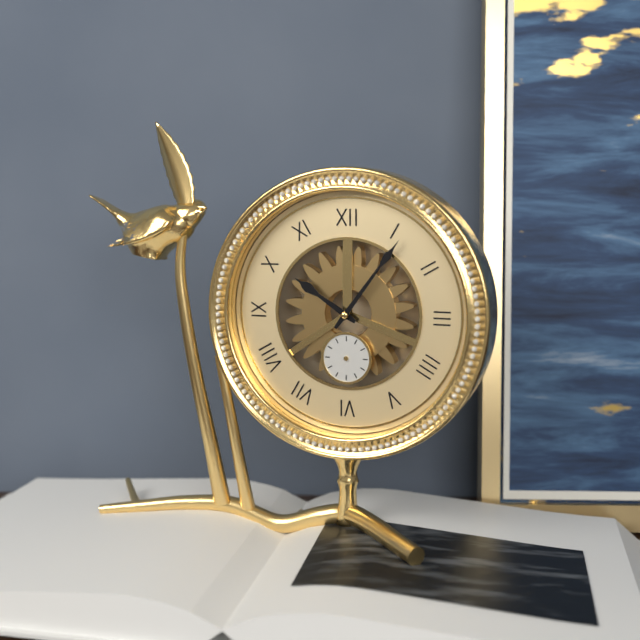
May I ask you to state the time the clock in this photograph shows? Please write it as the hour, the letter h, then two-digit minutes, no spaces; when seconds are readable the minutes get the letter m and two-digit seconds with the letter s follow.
10h06
